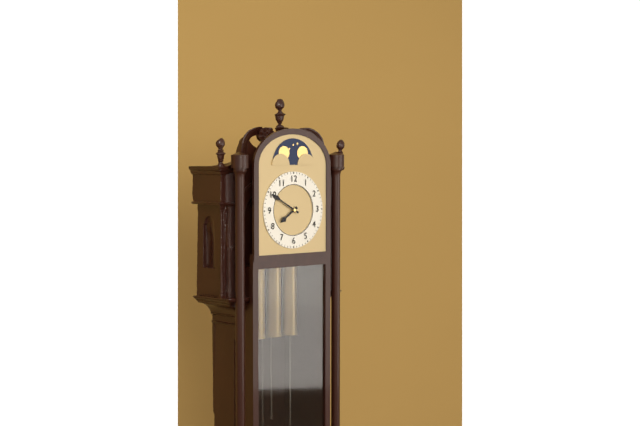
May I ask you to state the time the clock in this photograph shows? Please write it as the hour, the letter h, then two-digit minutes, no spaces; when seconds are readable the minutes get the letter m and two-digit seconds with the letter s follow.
7h50
